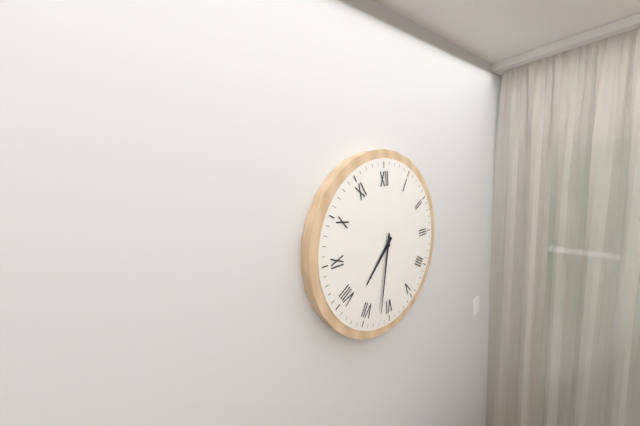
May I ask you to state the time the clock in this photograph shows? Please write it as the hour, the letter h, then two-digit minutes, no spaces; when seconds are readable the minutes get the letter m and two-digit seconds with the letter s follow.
7h32
